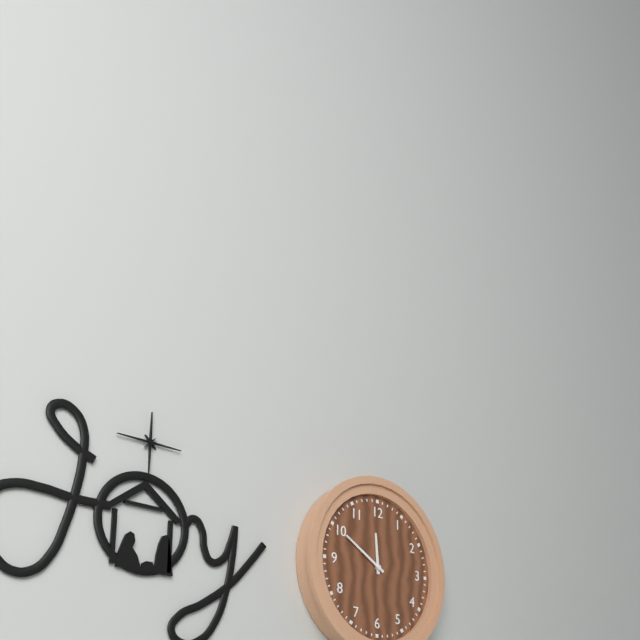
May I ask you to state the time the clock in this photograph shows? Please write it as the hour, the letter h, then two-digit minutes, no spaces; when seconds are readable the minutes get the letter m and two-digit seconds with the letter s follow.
11h50
